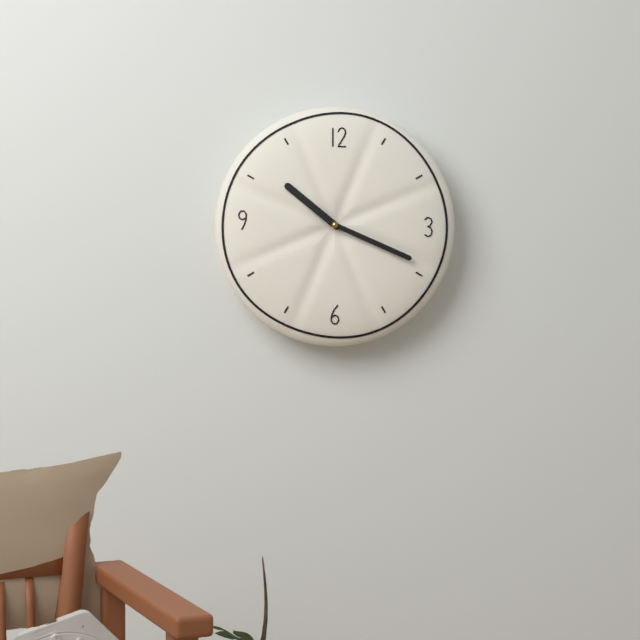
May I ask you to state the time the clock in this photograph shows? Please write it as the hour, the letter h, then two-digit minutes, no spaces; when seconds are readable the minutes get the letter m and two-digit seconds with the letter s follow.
10h19
